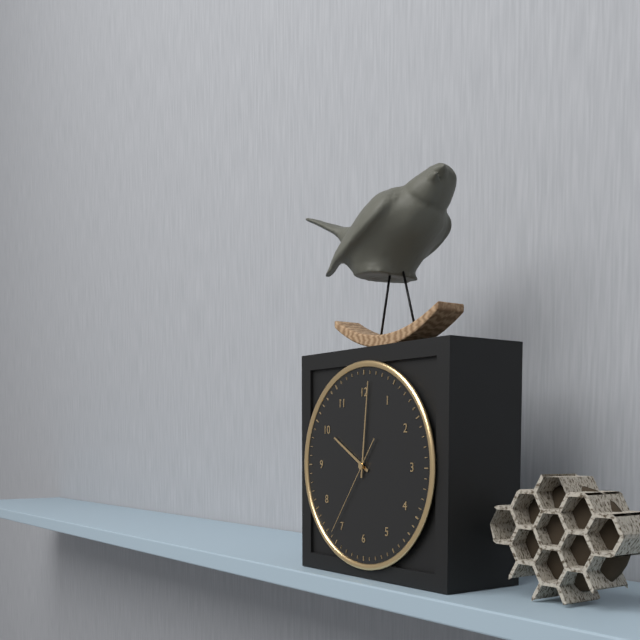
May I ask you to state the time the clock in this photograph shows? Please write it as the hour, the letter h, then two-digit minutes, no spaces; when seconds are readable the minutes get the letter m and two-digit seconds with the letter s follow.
10h01m36s
